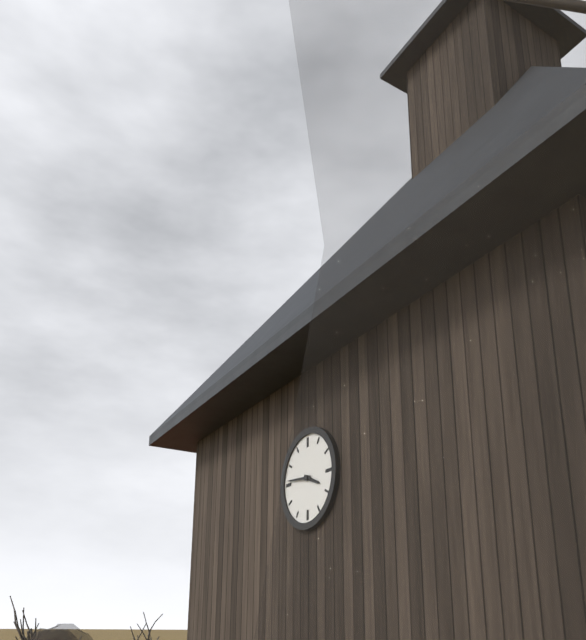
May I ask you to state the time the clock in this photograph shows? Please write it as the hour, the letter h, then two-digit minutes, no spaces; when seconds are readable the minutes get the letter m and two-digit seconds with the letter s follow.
3h46
